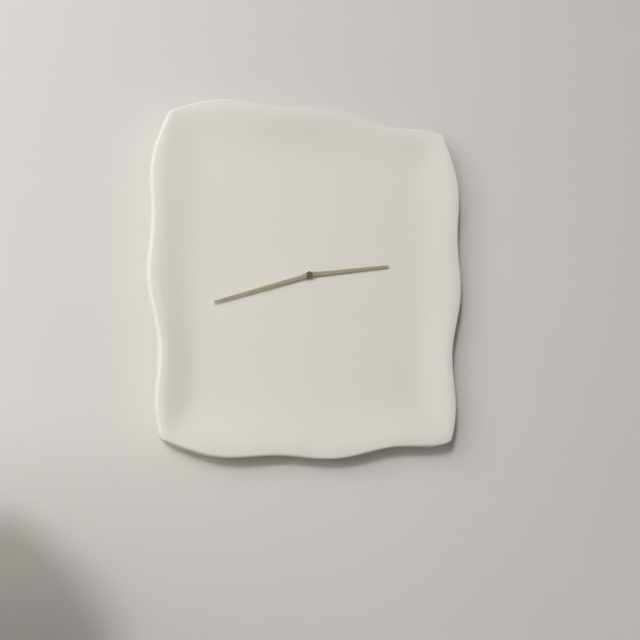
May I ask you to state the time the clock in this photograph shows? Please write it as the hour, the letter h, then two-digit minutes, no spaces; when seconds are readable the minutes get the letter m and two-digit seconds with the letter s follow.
2h42
